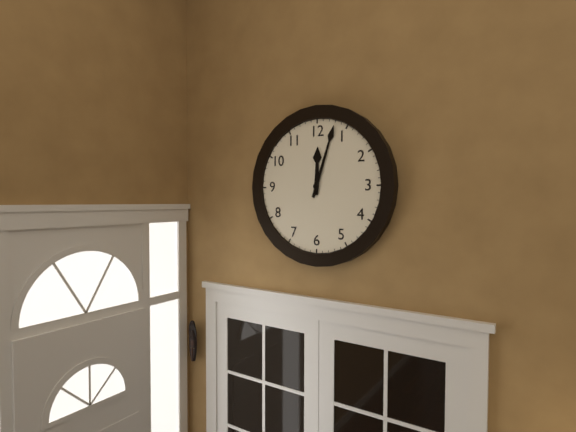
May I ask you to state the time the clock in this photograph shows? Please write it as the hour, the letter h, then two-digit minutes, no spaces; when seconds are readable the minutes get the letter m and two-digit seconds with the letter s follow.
12h03
